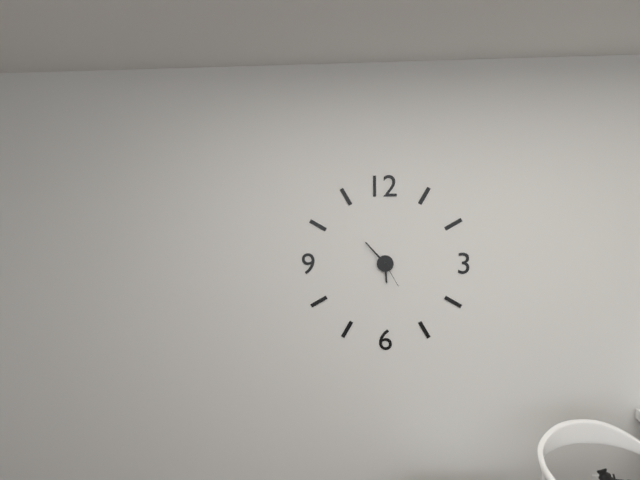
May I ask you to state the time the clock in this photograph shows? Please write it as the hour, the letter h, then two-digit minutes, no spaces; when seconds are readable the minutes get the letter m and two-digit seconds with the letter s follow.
5h53
